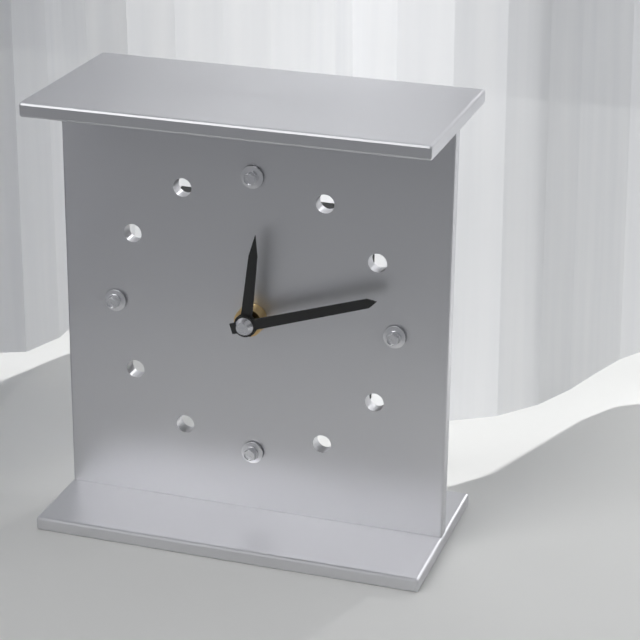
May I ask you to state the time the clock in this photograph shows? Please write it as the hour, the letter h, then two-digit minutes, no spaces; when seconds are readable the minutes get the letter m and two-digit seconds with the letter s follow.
12h12
